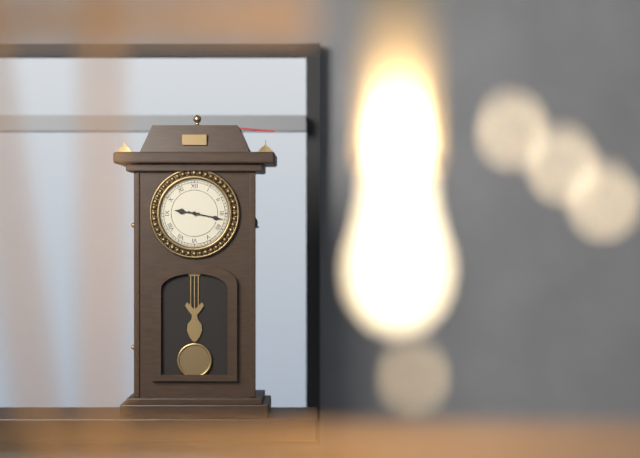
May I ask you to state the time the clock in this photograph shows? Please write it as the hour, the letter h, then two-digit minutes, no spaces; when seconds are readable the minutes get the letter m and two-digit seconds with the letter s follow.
9h17
